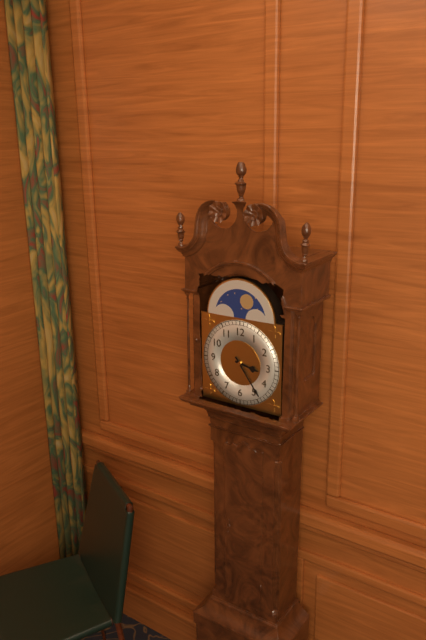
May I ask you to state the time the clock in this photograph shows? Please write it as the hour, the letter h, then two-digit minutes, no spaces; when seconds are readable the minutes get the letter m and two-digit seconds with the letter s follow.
3h24
